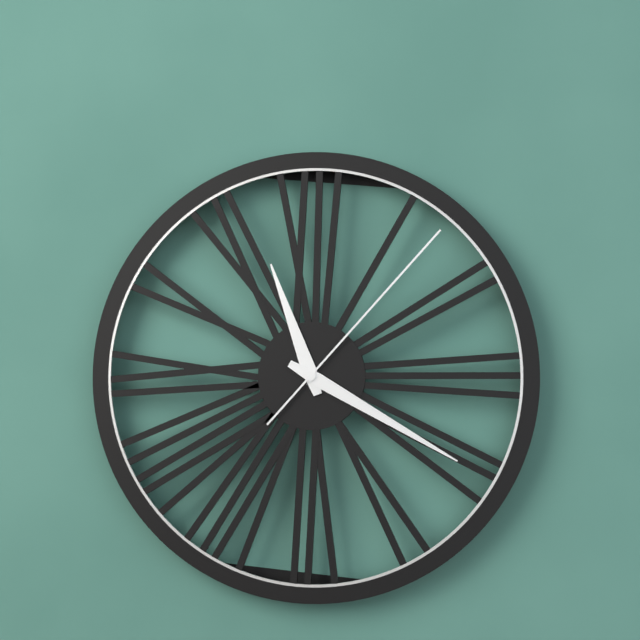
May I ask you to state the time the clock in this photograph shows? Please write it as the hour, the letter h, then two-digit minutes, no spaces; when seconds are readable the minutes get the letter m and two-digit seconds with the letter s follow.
11h20m07s
